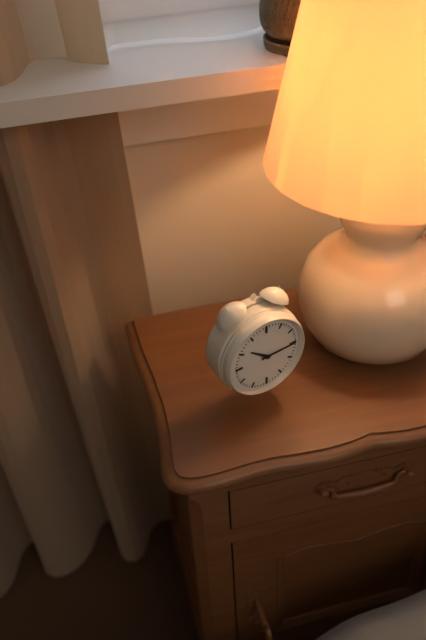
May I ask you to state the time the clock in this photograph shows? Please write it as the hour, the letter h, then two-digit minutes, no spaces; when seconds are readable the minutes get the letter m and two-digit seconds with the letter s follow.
10h15
